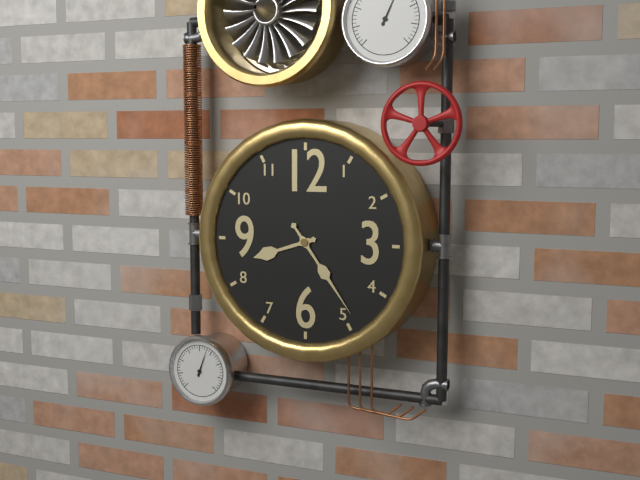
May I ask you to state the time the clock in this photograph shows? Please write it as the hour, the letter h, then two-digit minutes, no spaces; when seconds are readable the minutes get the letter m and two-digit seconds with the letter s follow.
8h24
